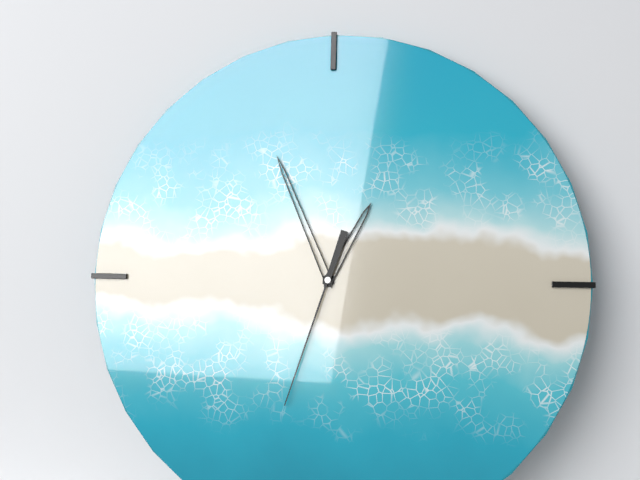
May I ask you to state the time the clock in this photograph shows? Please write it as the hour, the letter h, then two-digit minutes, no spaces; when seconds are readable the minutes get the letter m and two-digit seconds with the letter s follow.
12h56m33s
